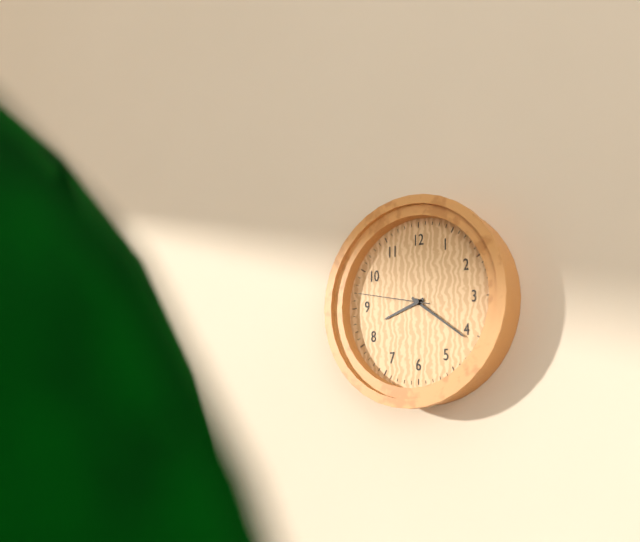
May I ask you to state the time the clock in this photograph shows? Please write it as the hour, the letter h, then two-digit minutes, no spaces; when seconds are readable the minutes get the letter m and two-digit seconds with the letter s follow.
8h21m47s
